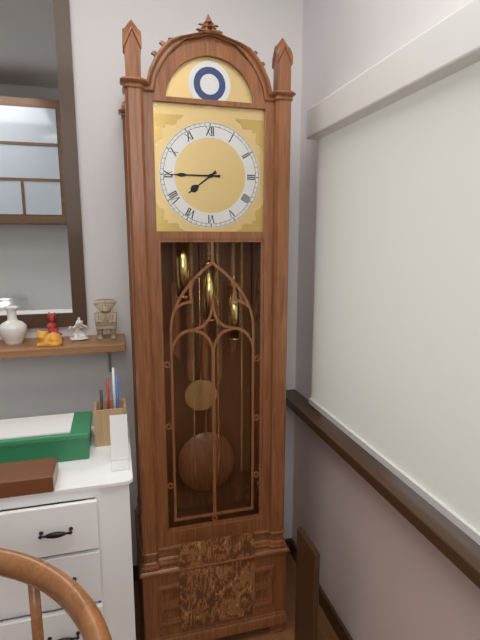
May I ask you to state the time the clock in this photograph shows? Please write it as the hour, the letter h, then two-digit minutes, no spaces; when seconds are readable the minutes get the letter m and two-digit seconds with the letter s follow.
7h45
